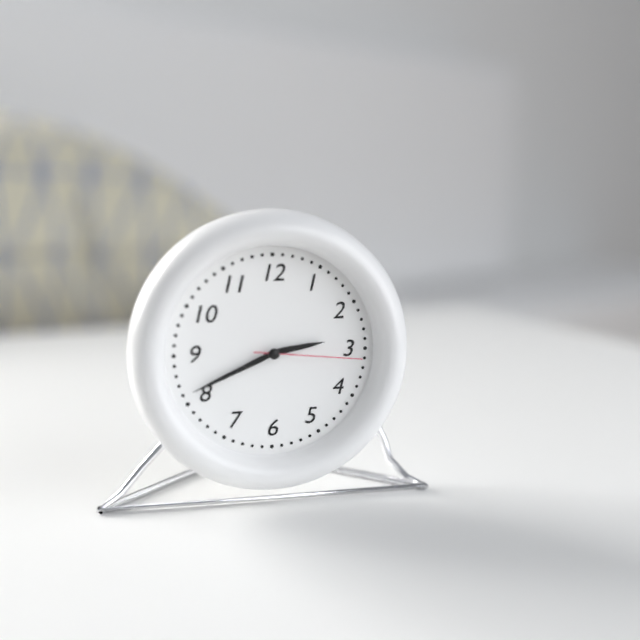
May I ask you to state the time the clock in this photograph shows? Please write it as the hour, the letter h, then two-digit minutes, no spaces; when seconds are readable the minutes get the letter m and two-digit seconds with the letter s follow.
2h41m16s
